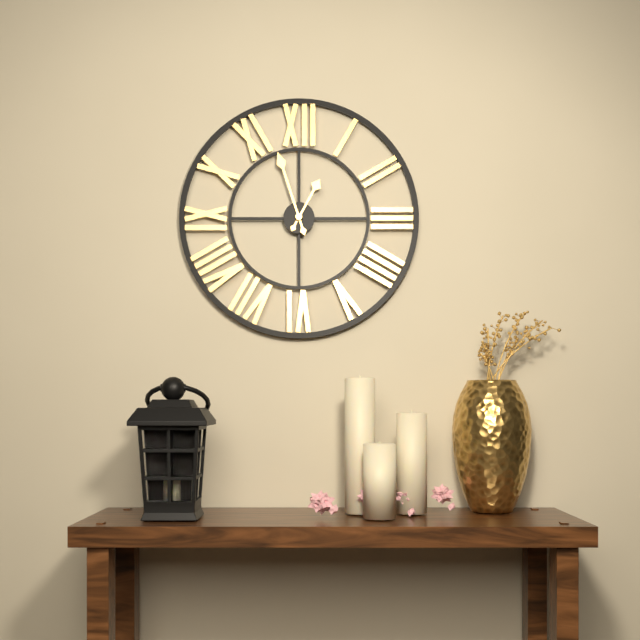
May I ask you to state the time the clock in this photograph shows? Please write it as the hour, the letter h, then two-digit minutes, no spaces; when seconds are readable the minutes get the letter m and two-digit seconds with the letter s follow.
12h57
